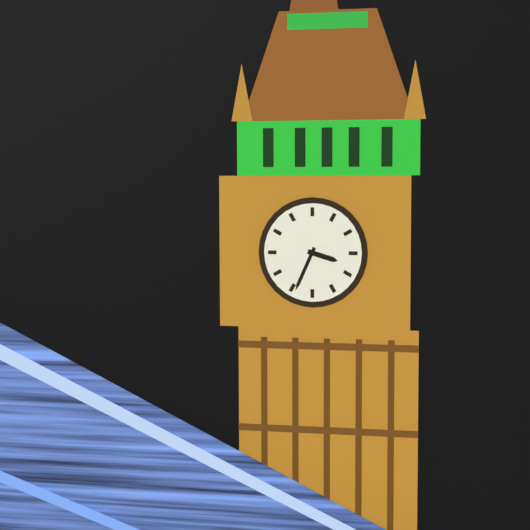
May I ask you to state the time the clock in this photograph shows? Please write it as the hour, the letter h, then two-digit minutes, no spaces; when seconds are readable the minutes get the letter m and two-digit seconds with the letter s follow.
3h34
